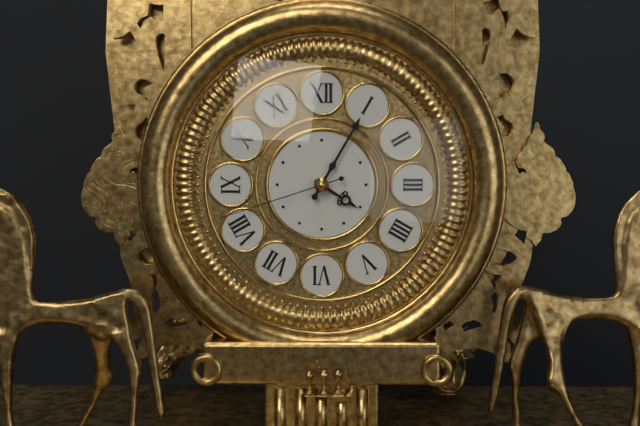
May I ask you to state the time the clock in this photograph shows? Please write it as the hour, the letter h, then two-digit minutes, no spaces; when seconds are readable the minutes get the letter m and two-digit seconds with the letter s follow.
4h05m42s
